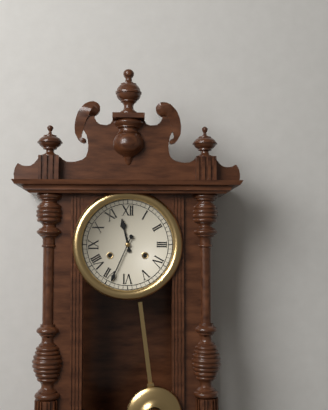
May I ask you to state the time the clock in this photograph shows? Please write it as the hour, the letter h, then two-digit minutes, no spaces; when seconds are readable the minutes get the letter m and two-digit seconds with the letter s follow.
11h34
